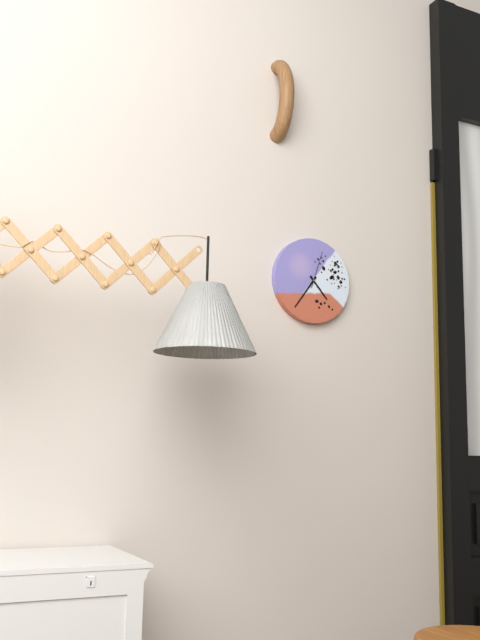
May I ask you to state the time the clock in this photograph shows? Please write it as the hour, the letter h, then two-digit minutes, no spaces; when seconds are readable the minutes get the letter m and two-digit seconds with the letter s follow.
4h36
